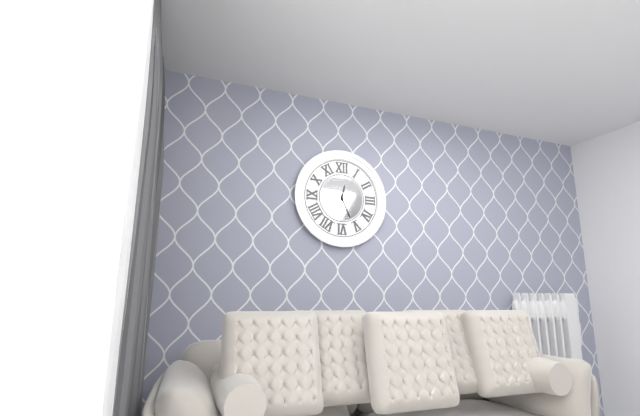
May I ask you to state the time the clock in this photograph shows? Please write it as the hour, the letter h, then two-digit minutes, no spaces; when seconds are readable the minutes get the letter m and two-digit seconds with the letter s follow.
12h26
